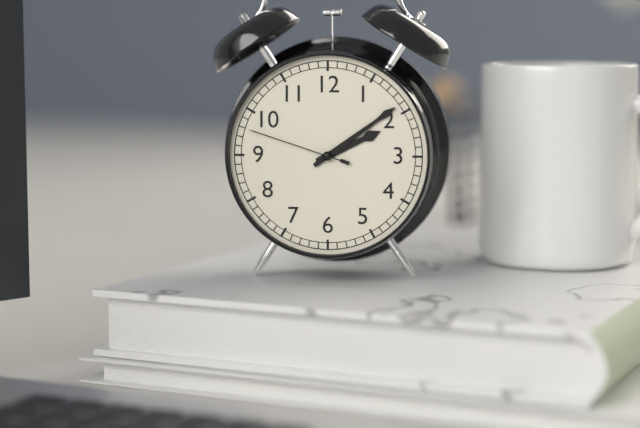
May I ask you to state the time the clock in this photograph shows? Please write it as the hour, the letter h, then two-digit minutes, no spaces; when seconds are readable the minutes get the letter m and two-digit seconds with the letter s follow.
2h09m48s
